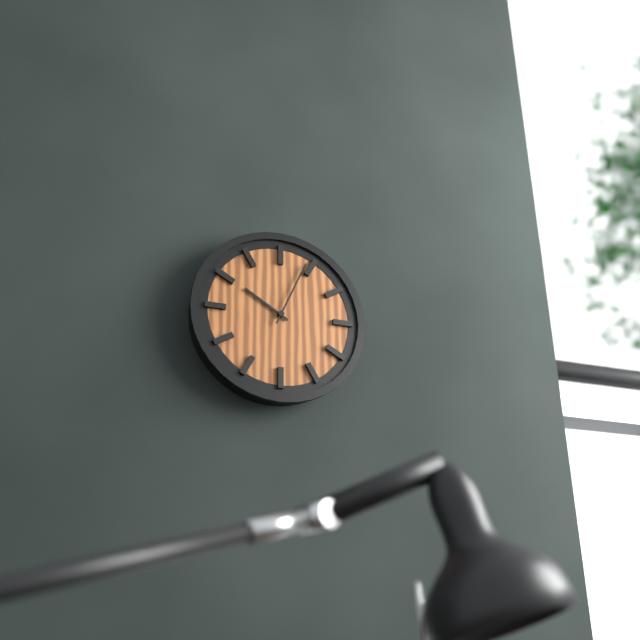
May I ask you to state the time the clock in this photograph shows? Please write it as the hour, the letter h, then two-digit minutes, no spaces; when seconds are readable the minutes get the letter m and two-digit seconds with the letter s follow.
10h04
